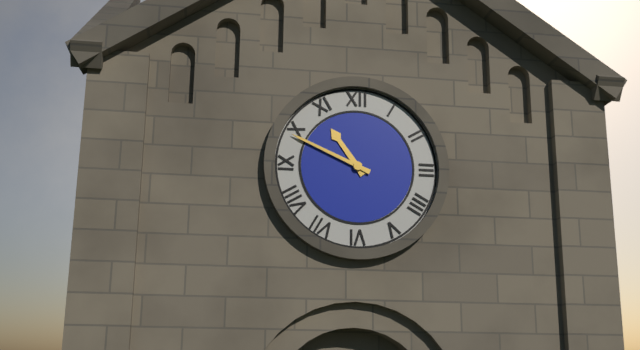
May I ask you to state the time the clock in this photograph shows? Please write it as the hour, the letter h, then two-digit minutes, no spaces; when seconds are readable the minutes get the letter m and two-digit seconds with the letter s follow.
10h49
